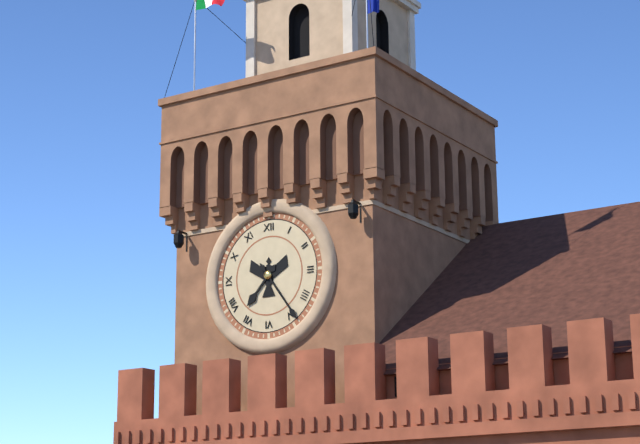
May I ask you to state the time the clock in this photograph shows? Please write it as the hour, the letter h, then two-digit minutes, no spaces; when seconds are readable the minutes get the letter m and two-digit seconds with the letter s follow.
7h24
